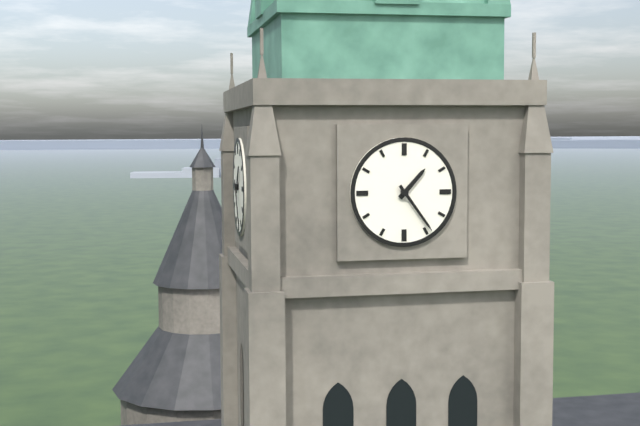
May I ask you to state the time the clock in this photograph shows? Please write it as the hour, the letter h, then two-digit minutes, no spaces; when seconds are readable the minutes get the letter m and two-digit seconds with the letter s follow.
1h24
